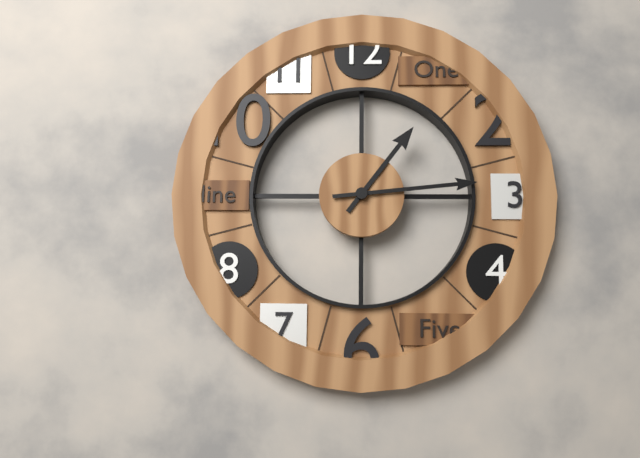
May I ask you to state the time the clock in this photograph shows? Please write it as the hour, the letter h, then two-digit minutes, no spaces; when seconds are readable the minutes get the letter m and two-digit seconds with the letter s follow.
1h14
